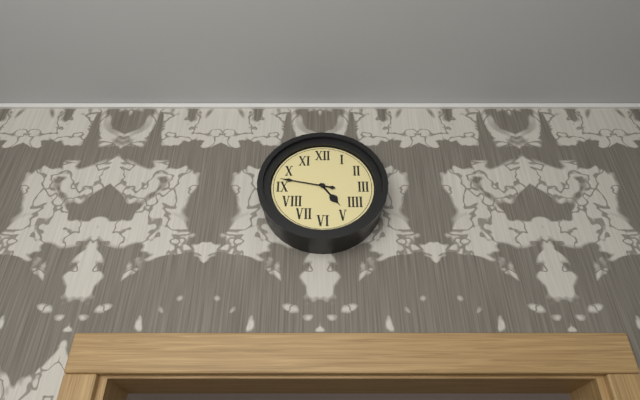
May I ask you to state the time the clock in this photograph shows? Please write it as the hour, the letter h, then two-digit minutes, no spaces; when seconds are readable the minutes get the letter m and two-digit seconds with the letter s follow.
4h47
